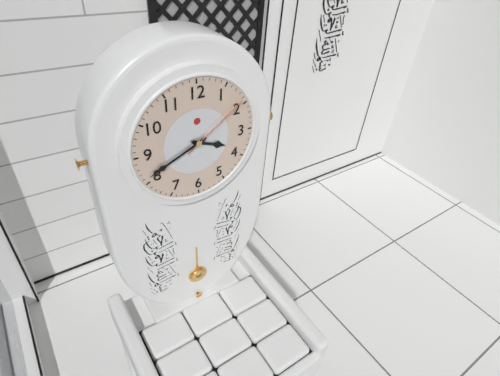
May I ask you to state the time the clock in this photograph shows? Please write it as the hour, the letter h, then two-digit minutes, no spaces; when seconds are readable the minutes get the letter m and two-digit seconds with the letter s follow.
3h41m09s
